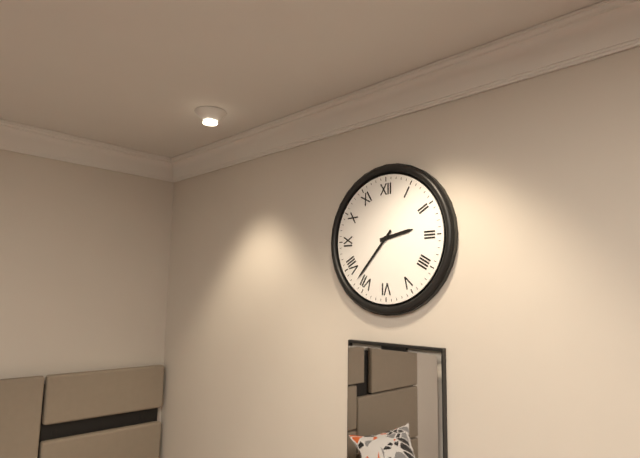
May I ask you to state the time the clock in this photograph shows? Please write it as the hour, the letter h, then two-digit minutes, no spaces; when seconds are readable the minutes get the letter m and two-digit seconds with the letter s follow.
2h37
